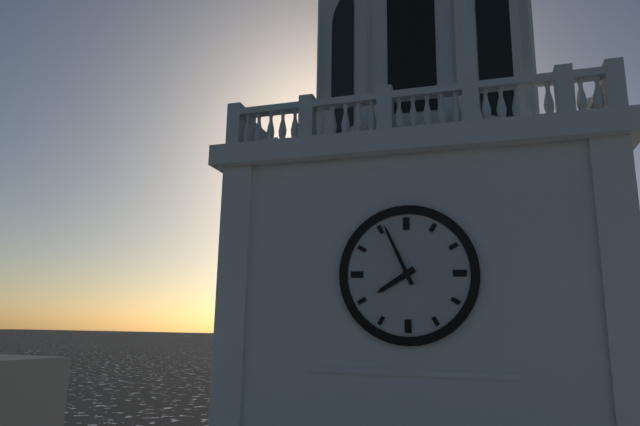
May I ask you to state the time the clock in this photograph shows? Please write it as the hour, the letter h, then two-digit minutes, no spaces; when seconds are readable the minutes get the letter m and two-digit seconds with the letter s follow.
7h56
